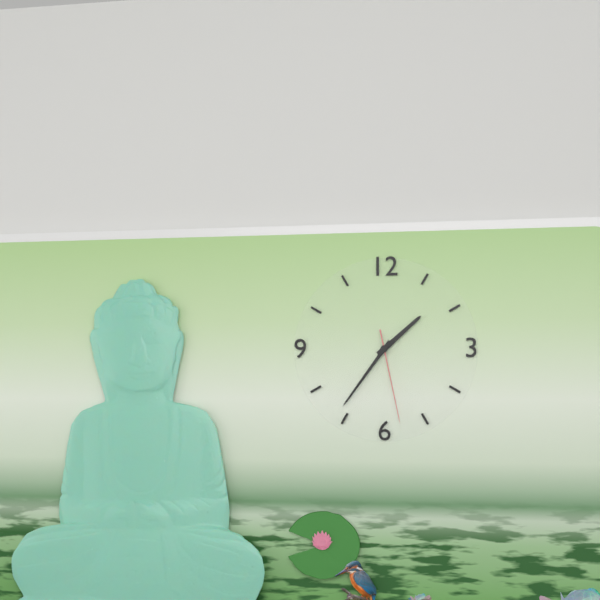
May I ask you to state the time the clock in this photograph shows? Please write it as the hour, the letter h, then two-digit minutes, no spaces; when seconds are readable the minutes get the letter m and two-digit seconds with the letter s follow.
1h36m28s
